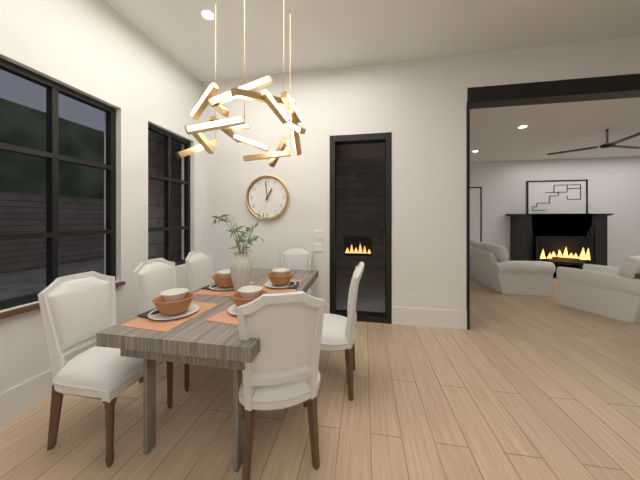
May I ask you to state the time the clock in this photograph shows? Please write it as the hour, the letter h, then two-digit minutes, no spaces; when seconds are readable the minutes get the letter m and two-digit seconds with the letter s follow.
12h59
